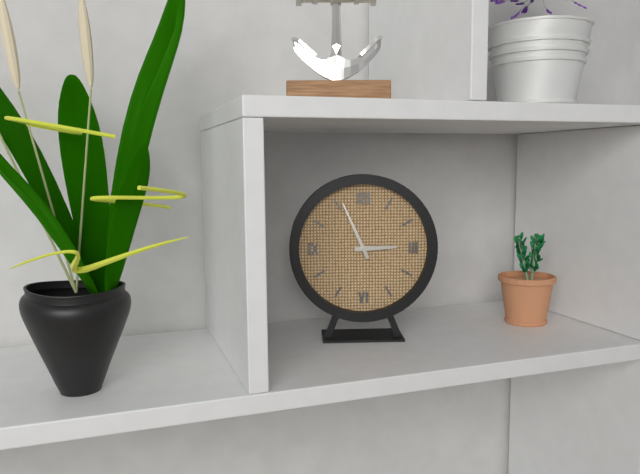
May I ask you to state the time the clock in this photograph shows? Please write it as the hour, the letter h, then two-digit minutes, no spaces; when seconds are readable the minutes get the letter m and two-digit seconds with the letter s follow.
2h56
